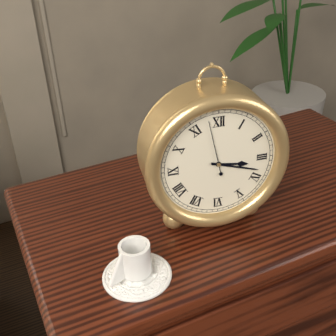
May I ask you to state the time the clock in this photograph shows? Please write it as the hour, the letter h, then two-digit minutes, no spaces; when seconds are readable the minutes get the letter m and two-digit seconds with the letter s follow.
3h18
